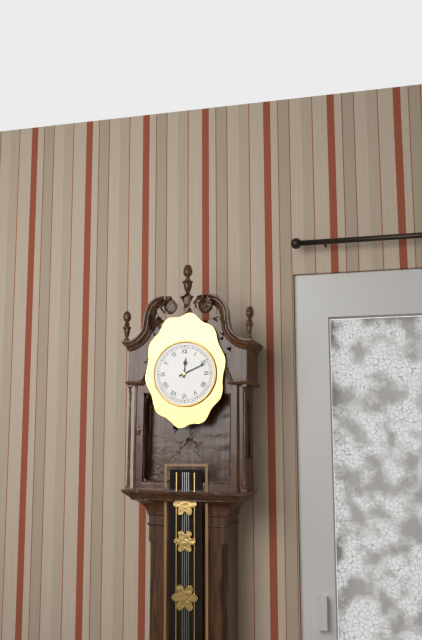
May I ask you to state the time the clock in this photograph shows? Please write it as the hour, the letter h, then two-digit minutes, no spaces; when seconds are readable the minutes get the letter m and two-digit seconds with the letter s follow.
12h11
